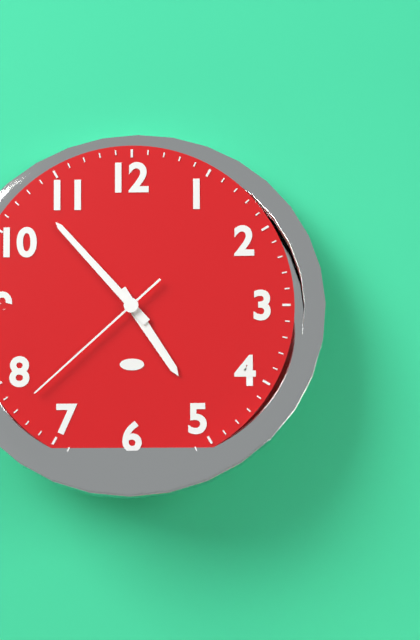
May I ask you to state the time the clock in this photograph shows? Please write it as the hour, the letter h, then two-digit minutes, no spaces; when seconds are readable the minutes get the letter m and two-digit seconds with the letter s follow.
4h53m38s
